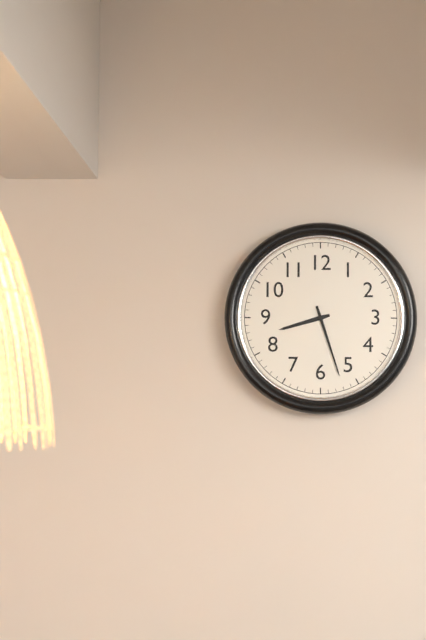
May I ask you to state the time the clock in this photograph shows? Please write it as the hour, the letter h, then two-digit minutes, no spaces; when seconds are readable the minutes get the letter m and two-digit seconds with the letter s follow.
8h27
